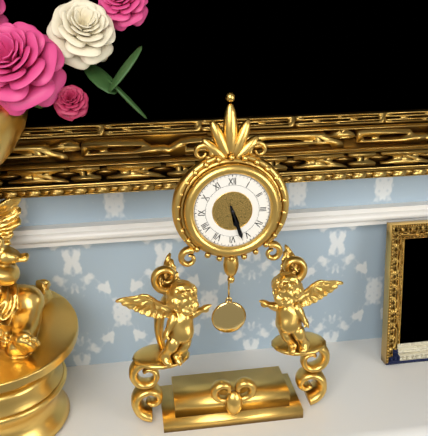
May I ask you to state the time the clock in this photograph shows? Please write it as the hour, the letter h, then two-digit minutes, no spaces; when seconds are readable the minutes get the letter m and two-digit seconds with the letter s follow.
5h27
